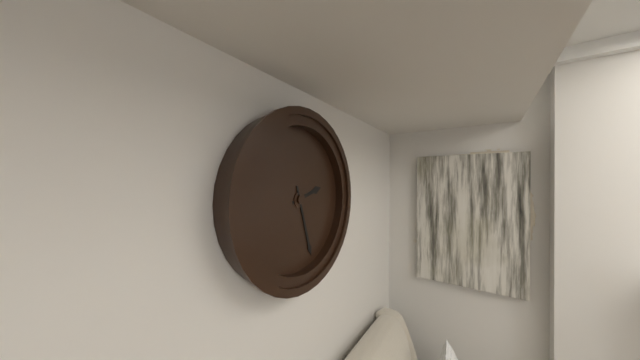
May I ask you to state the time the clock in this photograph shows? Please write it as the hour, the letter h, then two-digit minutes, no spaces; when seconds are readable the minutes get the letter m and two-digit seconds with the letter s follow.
2h27
